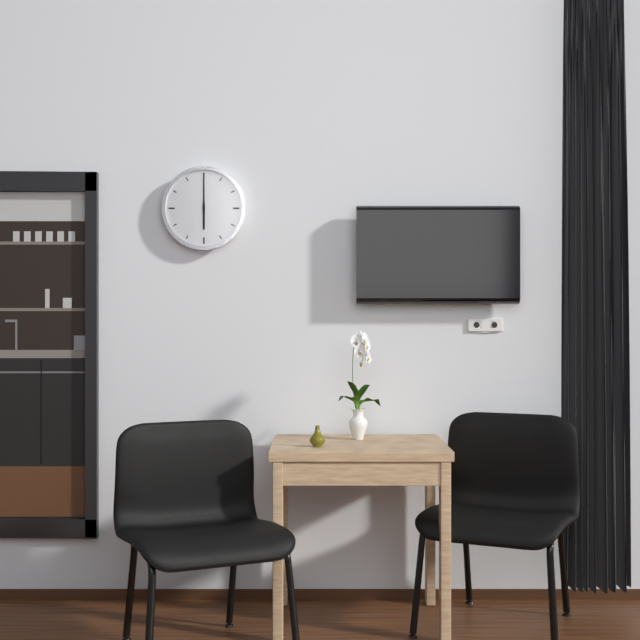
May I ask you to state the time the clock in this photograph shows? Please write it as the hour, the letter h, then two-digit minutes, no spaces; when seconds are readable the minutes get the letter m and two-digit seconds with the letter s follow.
6h00
